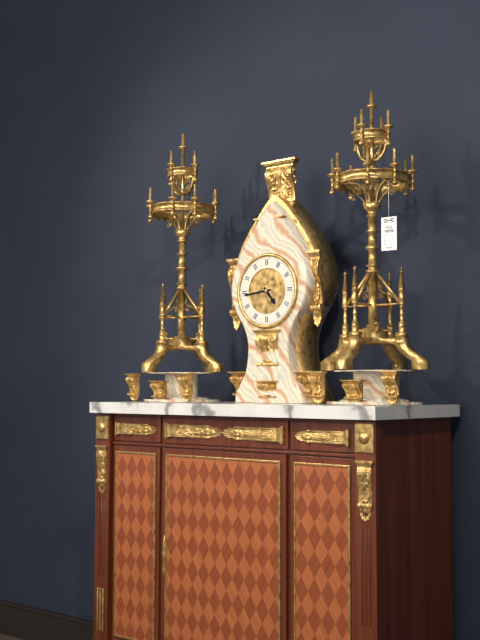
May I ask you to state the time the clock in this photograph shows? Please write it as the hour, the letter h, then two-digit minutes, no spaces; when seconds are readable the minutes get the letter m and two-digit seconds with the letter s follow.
4h44
